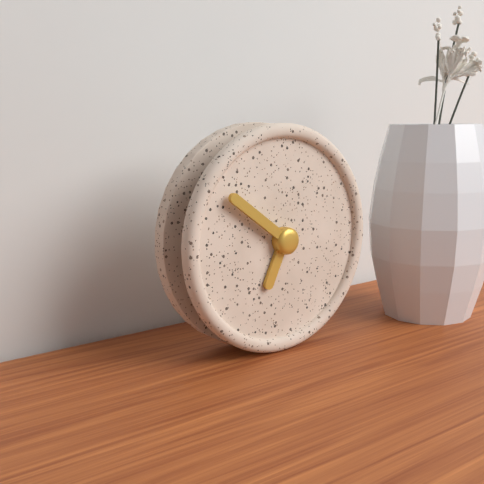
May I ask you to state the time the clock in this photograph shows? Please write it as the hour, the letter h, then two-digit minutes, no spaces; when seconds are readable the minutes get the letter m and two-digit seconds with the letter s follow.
6h51
